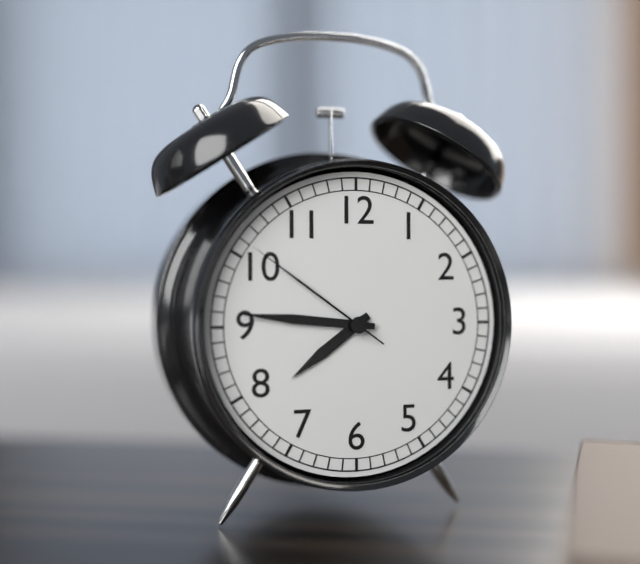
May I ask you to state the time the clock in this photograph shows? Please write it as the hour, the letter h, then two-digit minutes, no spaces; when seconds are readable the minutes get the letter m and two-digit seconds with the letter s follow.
7h46m51s
